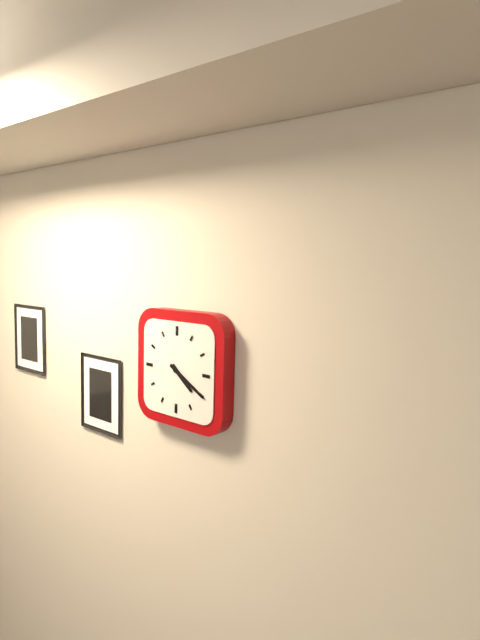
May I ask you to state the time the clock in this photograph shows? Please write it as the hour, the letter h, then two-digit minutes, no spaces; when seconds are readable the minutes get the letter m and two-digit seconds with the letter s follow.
4h20
